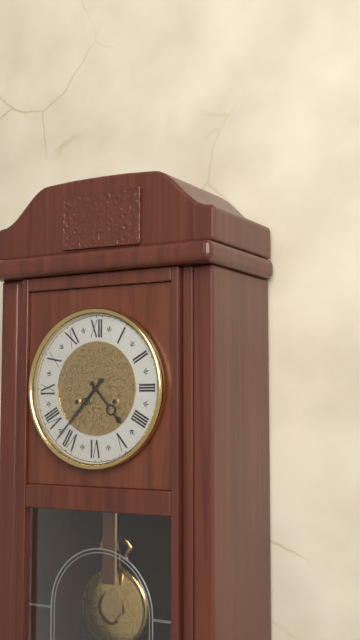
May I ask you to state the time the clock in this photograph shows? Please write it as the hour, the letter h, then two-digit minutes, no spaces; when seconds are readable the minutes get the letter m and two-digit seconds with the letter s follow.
4h37
